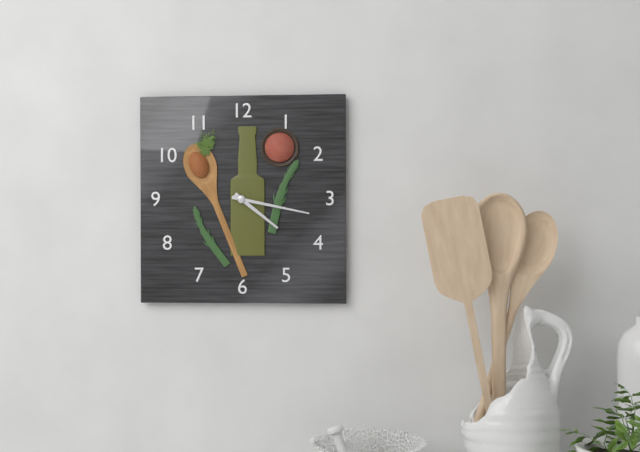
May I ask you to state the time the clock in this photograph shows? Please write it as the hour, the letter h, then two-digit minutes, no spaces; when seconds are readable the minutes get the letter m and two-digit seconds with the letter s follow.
4h17
